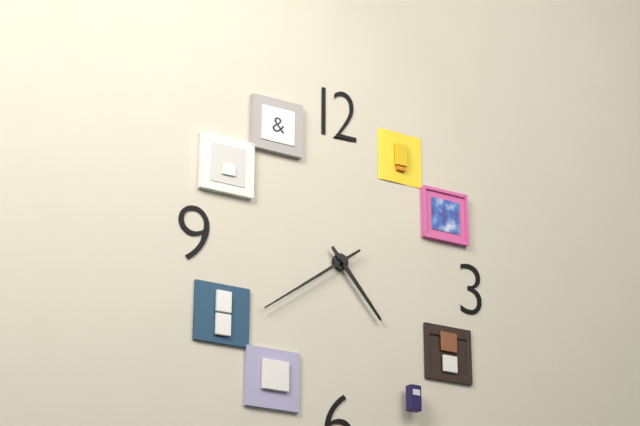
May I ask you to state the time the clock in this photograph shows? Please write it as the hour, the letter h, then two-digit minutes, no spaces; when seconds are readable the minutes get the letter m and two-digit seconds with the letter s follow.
4h39
